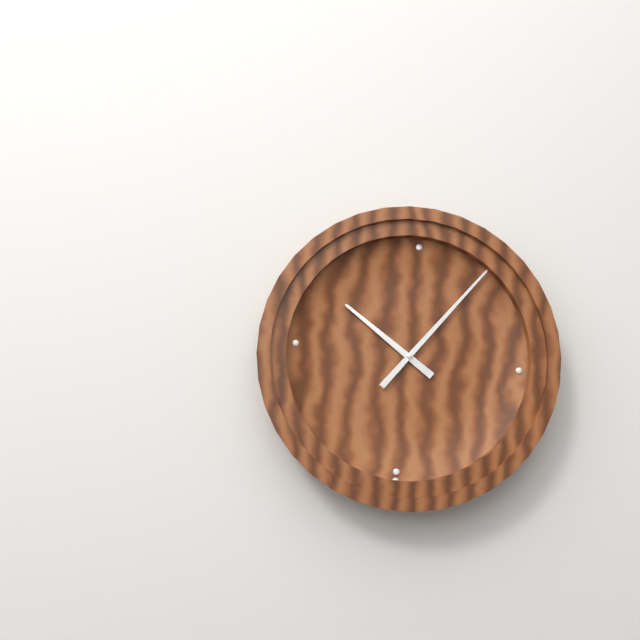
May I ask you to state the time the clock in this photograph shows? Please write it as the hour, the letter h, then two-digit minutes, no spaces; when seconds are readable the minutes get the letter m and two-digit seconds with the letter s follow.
10h06
